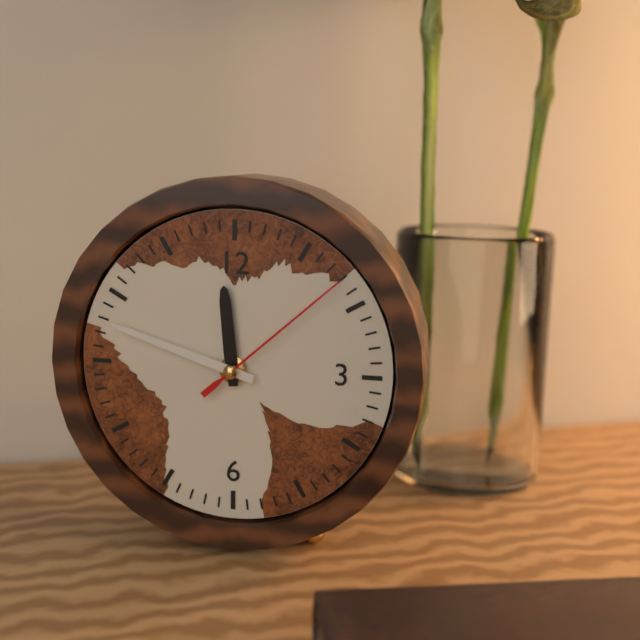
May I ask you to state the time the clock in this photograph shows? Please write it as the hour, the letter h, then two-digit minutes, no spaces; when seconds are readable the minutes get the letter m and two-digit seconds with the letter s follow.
11h48m08s
